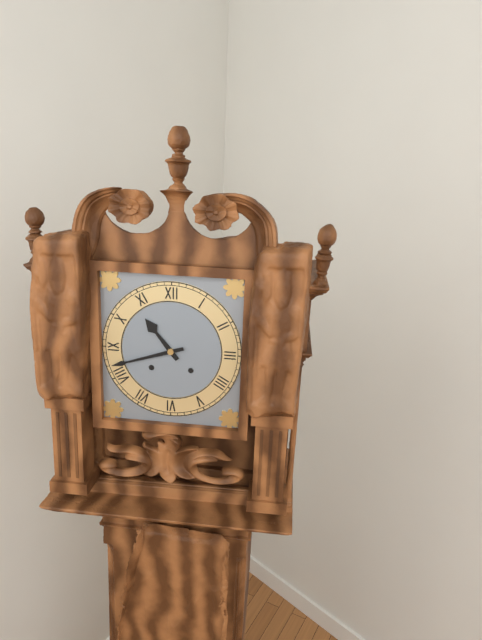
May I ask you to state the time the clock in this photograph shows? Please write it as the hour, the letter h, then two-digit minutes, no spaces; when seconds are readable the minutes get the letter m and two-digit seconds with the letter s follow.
10h42
